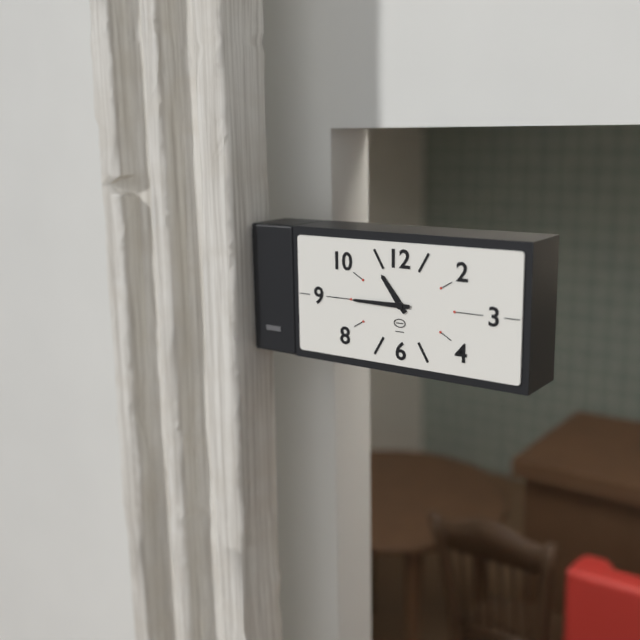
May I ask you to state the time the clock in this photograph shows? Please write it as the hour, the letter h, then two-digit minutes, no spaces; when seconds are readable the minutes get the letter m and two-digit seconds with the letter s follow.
10h45
